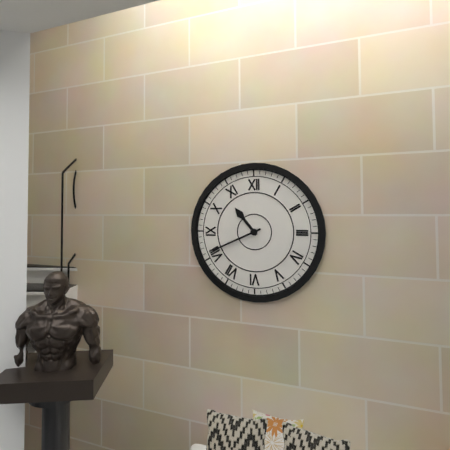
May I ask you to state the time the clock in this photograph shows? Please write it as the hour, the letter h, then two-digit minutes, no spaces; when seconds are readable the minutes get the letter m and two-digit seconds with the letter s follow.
10h41
